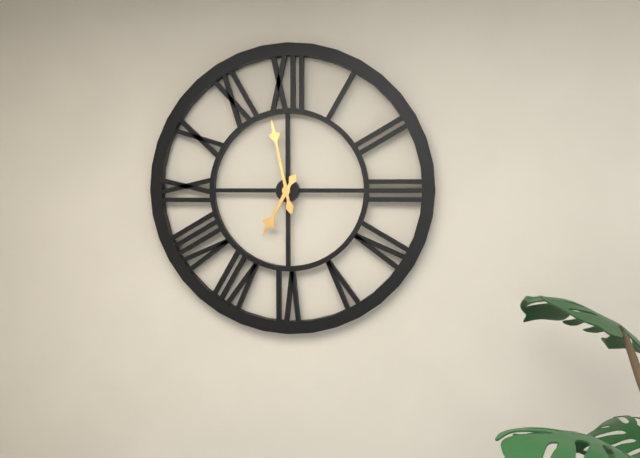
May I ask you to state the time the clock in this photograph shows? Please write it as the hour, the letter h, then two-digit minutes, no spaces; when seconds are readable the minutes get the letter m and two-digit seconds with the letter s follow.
6h58
